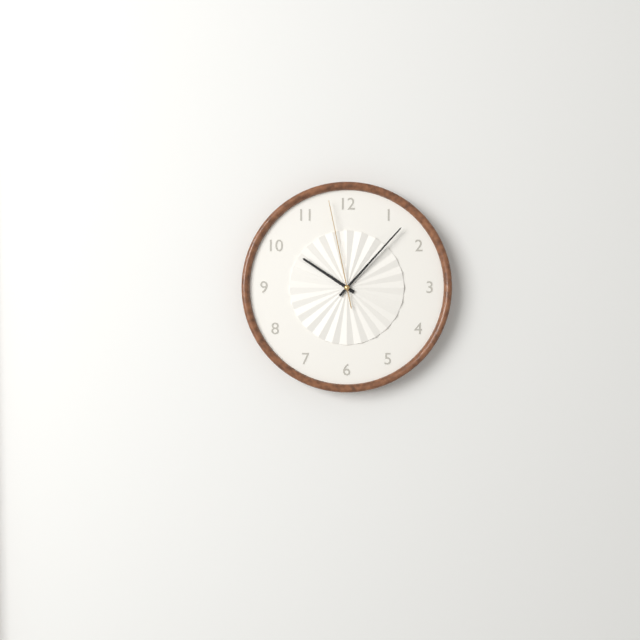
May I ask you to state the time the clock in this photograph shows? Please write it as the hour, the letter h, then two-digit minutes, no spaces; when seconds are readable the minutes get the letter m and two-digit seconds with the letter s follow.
10h07m58s
